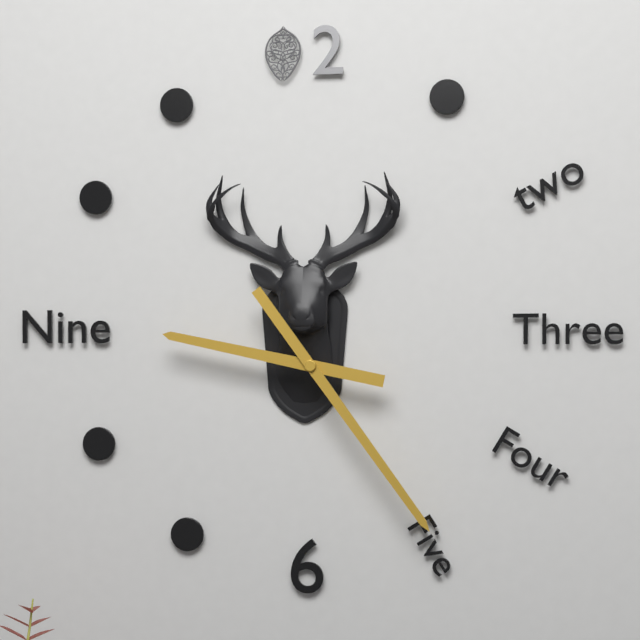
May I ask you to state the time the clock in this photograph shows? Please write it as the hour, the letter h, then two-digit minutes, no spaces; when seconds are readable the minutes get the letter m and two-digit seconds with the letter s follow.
9h24
